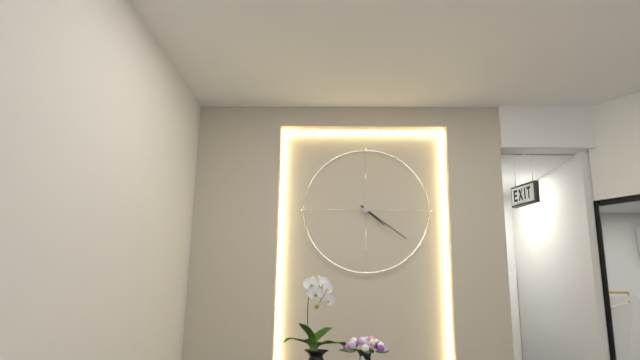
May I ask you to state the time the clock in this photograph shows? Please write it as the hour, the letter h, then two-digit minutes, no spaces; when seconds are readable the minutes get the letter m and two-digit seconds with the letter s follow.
4h21
